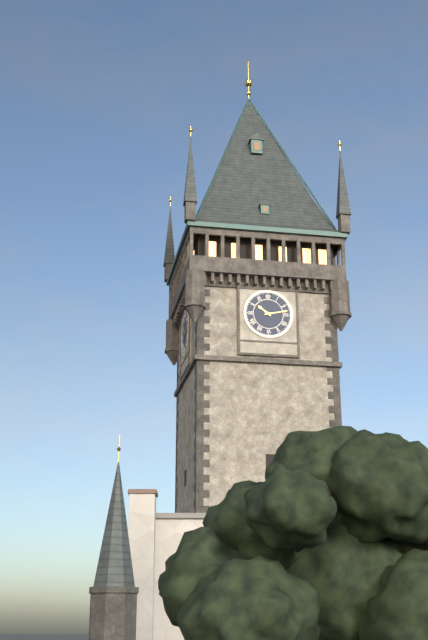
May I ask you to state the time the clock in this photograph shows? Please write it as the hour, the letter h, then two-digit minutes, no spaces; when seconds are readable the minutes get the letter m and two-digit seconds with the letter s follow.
10h13
